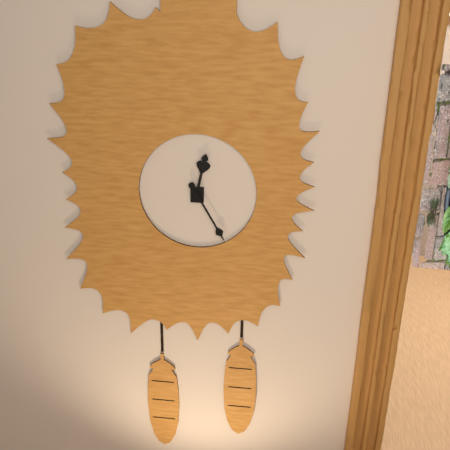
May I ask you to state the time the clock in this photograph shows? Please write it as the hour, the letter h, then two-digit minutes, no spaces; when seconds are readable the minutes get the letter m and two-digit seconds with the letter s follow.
12h25
